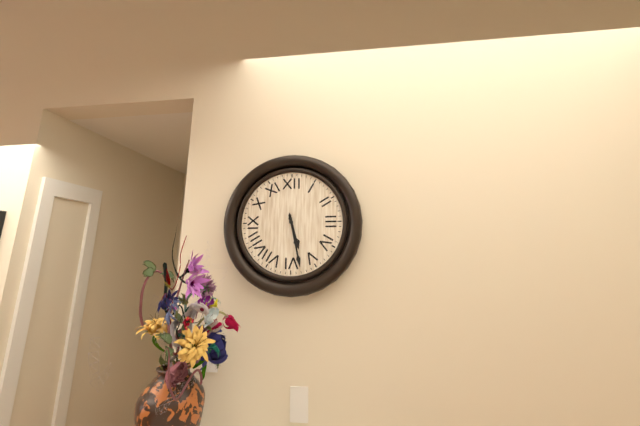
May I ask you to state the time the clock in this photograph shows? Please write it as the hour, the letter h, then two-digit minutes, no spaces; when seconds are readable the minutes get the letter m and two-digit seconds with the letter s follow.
5h28
